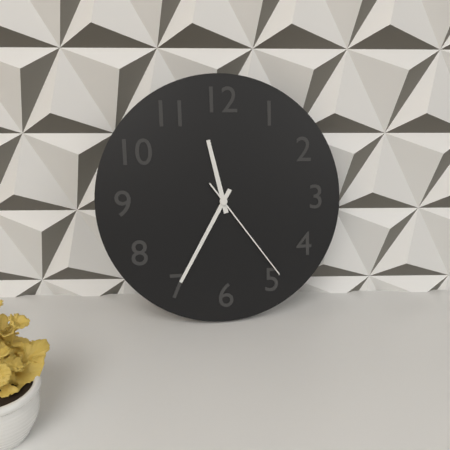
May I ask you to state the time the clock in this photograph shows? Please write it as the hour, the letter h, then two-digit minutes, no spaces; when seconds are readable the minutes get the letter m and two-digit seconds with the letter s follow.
11h35m24s
